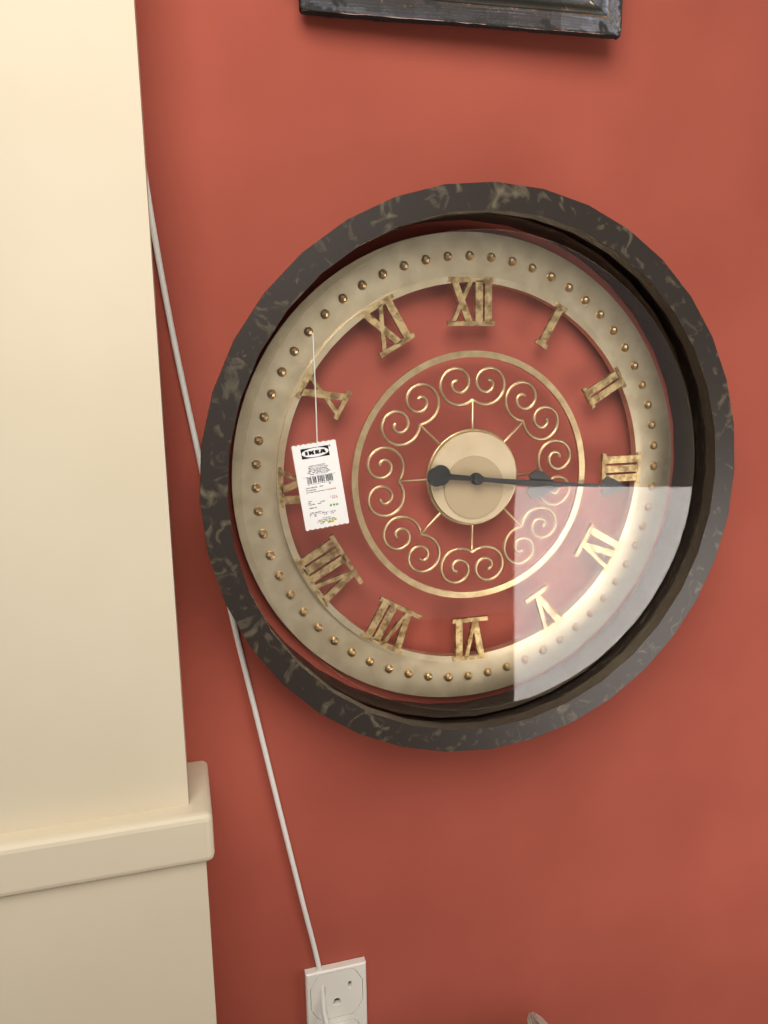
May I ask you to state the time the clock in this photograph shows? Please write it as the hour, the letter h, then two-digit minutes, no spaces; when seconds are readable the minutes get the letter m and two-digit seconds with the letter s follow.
3h16
